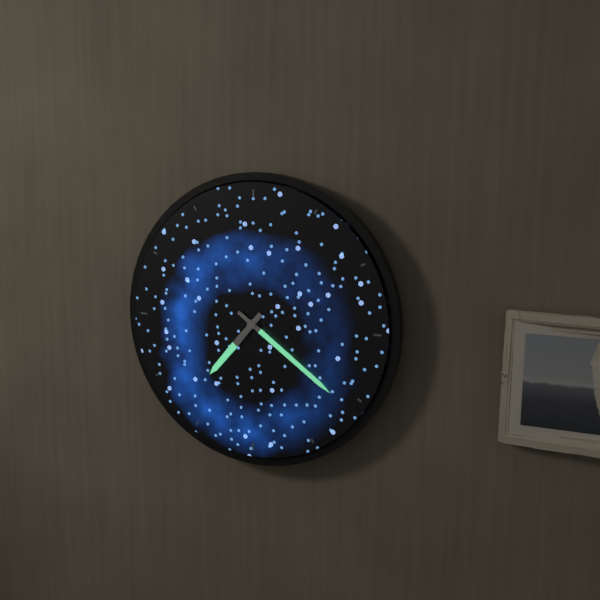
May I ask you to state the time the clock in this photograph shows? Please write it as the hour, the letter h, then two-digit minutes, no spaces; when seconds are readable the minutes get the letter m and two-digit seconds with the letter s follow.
7h21
